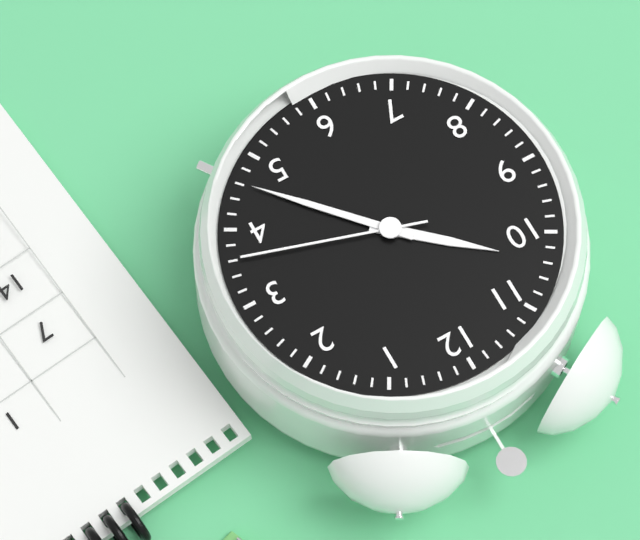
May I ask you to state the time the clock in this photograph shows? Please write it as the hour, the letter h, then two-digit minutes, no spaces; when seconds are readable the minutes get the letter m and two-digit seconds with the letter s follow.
10h23m18s
